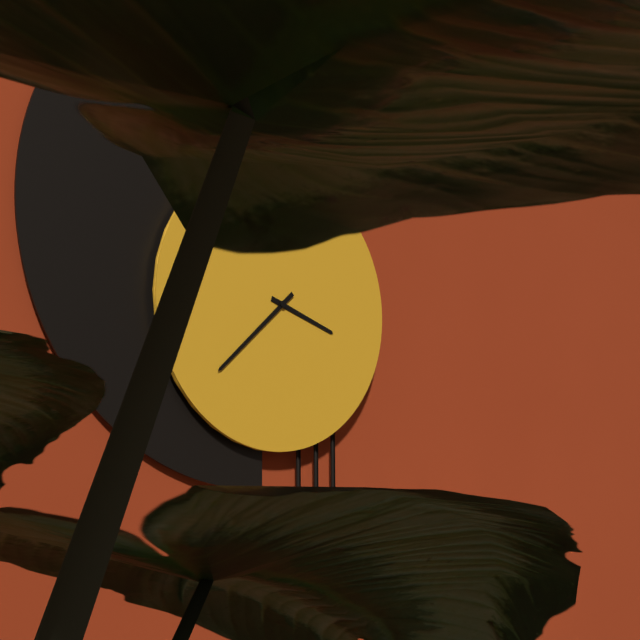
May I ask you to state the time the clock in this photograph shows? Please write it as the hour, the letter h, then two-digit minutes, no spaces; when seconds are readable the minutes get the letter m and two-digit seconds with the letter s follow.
3h38
